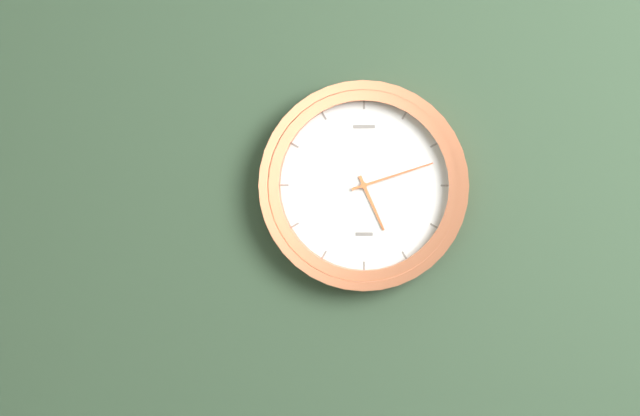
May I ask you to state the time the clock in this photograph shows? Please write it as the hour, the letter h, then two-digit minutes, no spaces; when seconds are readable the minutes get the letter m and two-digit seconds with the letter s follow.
5h12
